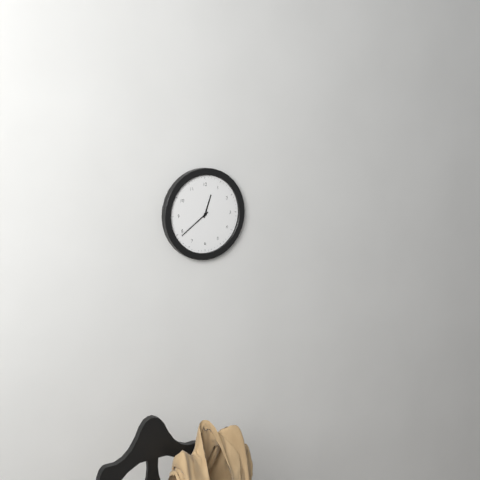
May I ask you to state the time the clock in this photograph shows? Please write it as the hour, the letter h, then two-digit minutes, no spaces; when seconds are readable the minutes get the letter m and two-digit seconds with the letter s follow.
12h39
